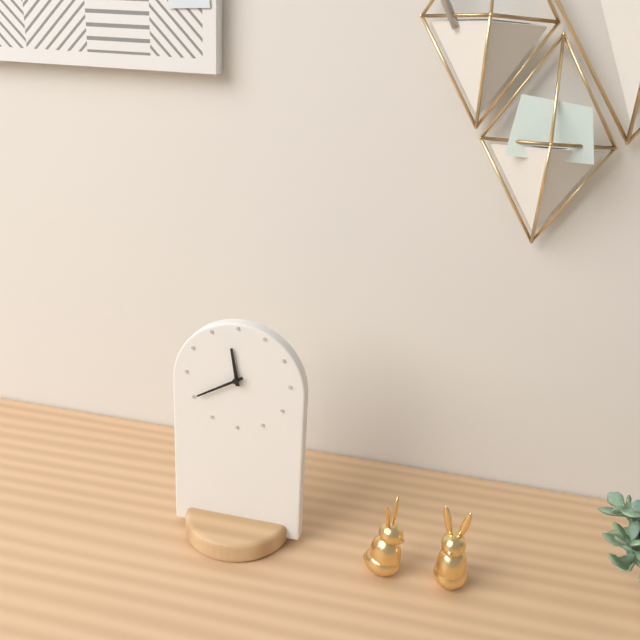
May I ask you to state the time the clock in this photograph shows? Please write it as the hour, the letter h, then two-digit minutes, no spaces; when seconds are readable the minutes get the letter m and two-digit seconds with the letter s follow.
11h40
